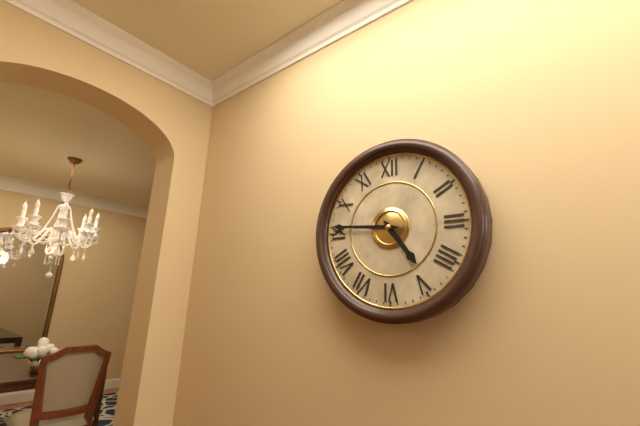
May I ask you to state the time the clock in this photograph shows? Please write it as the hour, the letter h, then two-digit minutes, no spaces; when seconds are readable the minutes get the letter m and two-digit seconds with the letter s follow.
4h46
